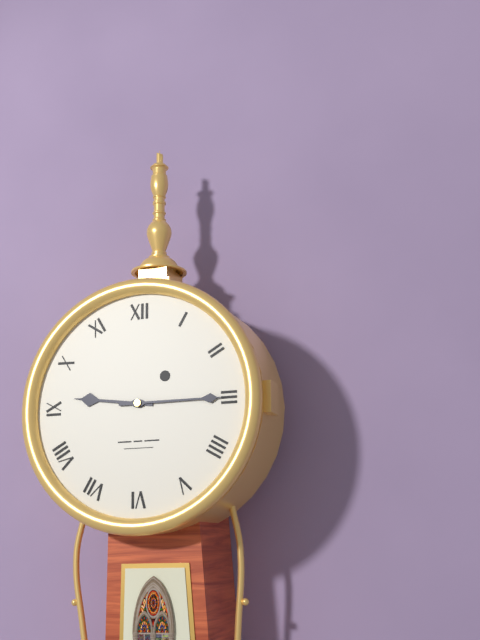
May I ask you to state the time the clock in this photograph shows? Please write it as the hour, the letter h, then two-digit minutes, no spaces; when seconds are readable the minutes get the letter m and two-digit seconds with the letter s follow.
9h15
